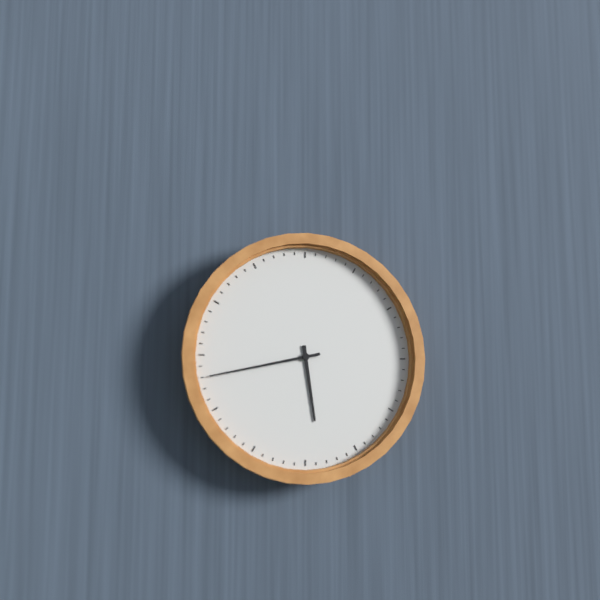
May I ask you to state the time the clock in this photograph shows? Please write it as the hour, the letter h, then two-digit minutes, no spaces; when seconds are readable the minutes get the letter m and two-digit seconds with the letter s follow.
5h43
